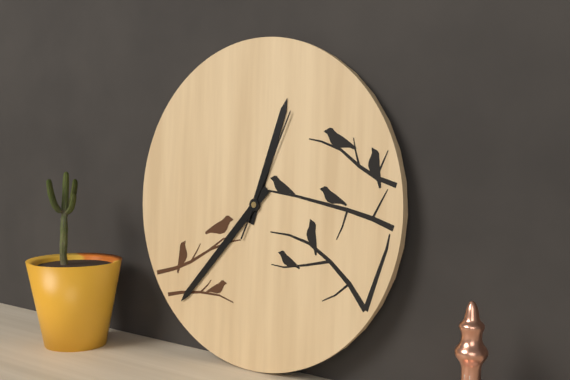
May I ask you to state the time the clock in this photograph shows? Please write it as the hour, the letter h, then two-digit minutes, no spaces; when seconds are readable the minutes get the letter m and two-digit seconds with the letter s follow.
12h37m04s
